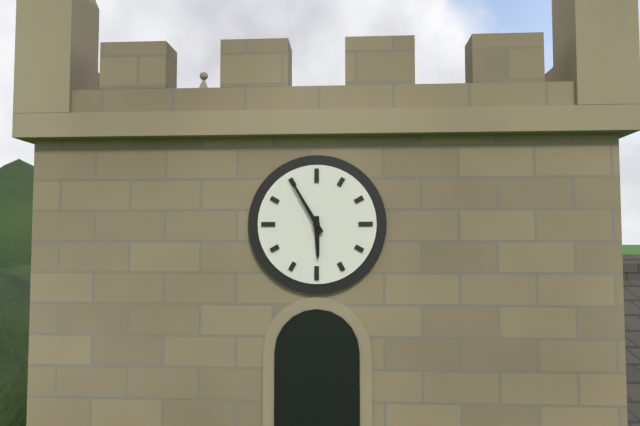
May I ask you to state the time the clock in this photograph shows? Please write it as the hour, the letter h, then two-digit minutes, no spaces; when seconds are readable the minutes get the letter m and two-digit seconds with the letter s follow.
5h55
